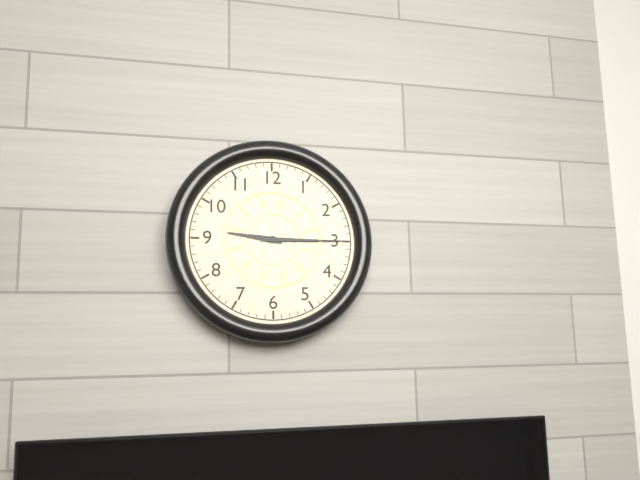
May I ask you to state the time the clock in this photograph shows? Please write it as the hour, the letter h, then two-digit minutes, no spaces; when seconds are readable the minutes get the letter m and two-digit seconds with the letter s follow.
9h15
